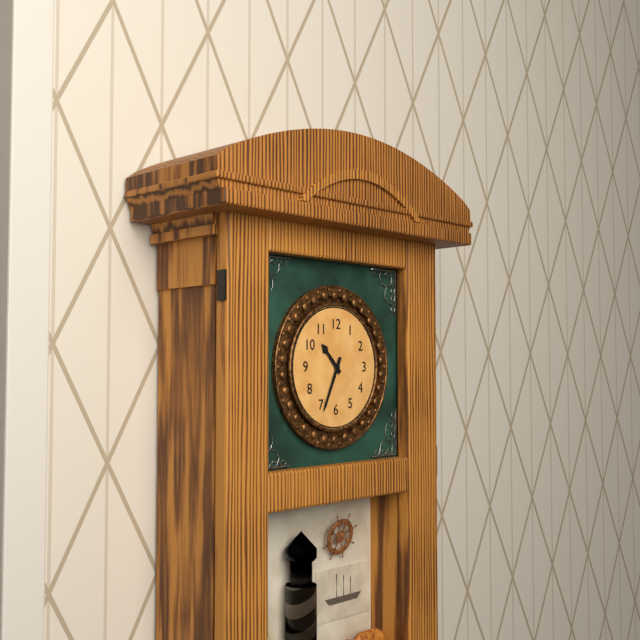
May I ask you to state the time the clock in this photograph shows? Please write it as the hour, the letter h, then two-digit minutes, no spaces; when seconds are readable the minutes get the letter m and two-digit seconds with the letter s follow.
10h34
